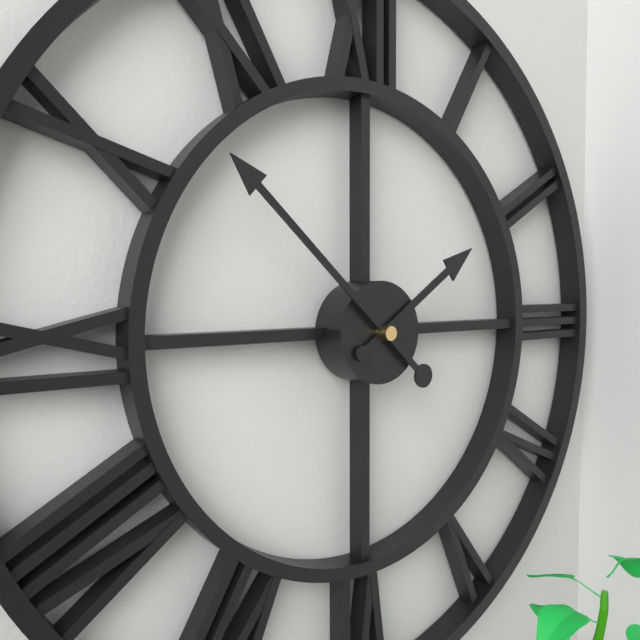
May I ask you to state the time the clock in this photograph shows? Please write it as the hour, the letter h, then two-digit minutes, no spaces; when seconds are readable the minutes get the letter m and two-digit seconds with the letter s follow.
1h52
